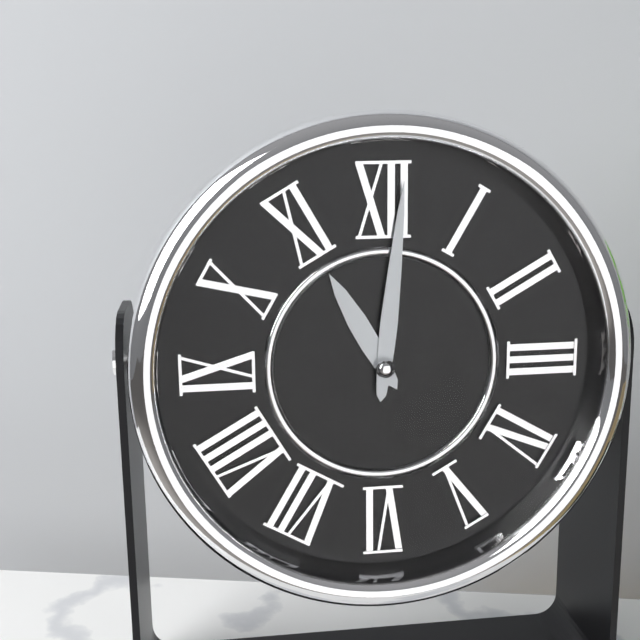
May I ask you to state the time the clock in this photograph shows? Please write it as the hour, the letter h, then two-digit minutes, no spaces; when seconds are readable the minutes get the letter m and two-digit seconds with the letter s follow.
11h01
